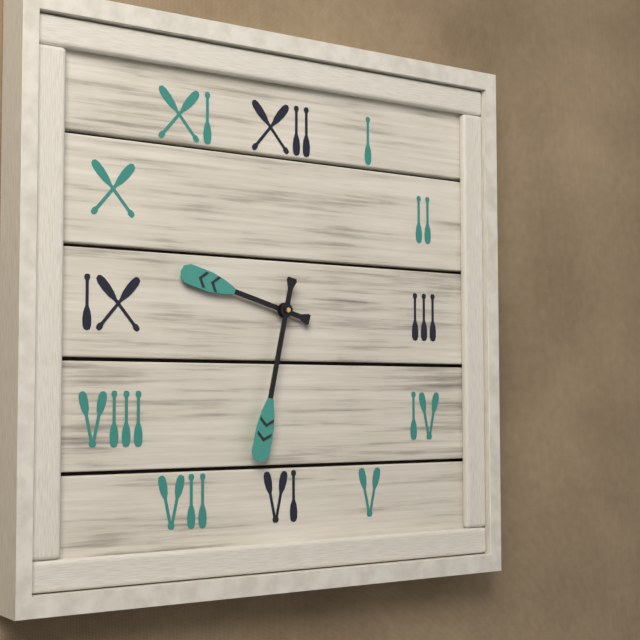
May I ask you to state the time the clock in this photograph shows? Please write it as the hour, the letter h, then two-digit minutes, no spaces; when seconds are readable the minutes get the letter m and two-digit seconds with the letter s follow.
9h32
